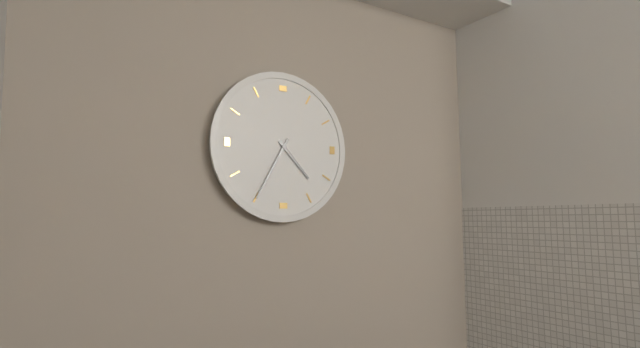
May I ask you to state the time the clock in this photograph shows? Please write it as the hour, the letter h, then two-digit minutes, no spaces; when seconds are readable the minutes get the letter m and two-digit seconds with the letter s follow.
4h35
